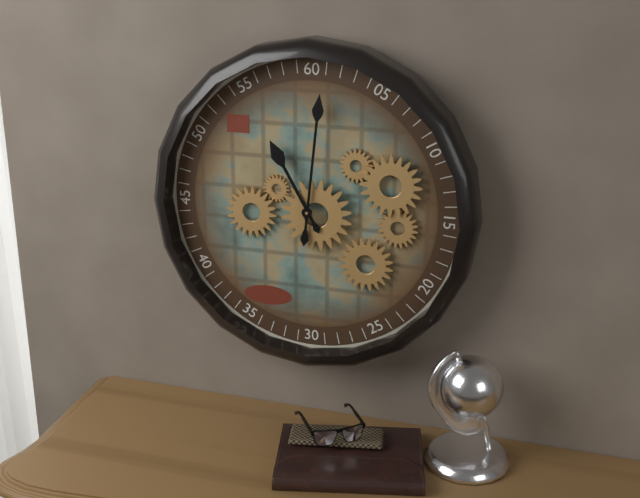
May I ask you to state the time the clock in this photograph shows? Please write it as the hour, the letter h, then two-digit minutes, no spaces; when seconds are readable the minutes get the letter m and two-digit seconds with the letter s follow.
11h01
